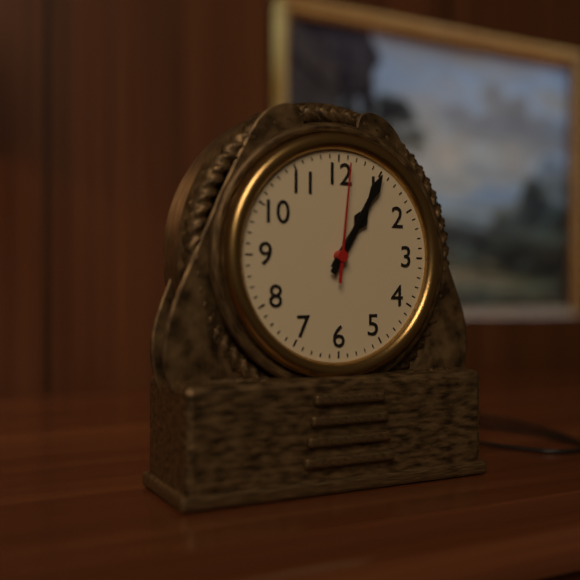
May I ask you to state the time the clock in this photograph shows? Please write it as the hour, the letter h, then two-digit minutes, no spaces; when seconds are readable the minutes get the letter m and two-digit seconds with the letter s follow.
1h05m01s
